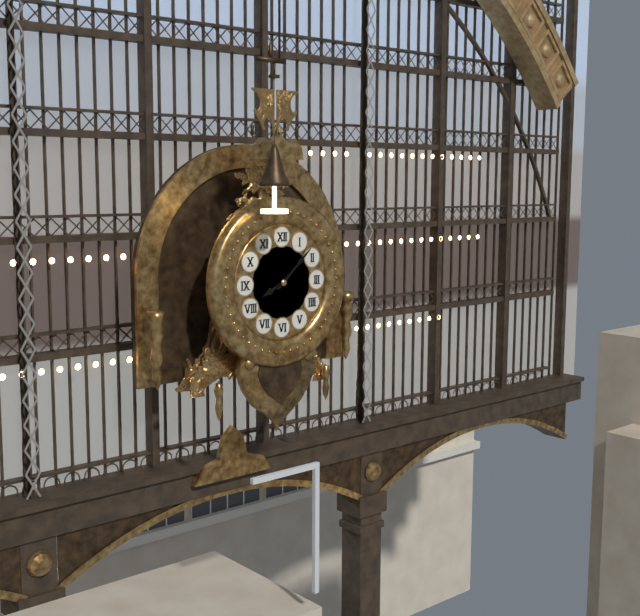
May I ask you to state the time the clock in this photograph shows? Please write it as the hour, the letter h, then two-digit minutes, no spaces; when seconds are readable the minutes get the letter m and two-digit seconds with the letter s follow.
8h08
